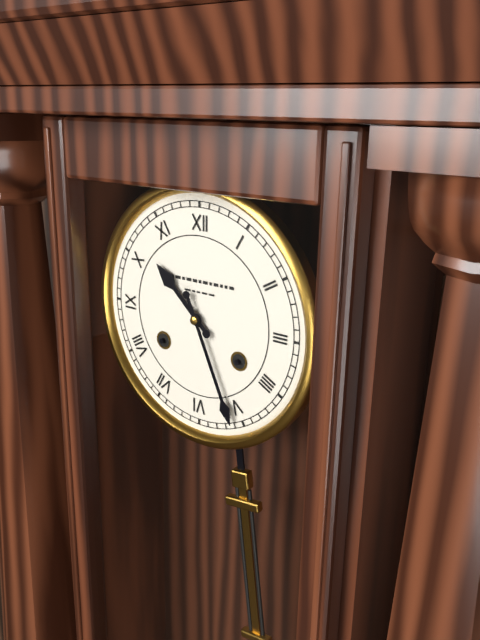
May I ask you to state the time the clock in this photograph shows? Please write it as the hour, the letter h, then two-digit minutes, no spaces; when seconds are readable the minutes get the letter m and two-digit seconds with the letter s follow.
10h26
